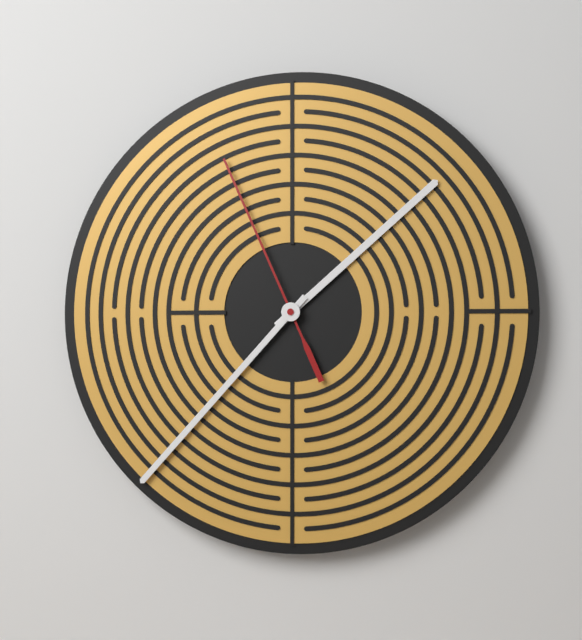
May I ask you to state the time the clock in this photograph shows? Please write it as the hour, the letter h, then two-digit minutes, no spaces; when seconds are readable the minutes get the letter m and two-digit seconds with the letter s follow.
1h37m56s
